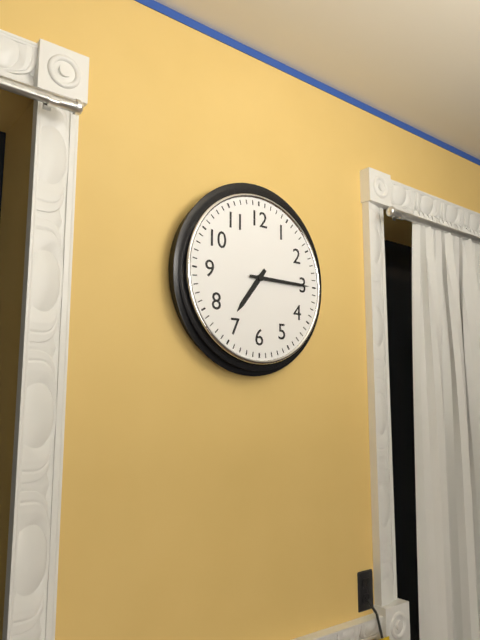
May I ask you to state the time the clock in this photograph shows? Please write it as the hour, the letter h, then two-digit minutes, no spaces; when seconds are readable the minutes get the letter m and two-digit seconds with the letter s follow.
7h15
